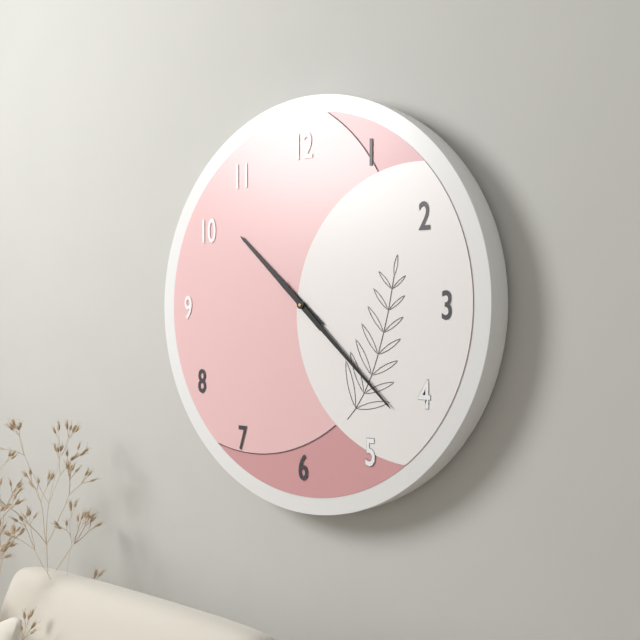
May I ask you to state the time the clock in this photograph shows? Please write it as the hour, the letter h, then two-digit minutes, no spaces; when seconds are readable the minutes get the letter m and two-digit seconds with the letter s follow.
10h22
